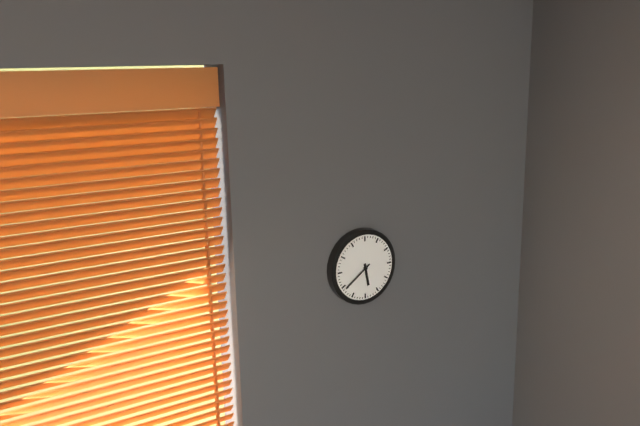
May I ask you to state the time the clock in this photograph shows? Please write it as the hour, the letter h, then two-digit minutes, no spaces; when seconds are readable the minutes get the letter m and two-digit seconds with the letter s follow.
5h39
